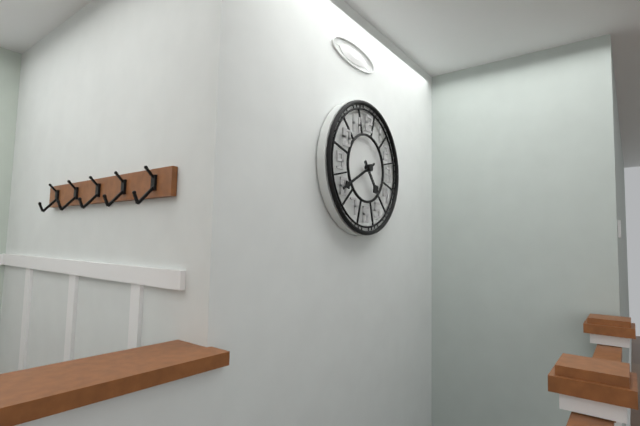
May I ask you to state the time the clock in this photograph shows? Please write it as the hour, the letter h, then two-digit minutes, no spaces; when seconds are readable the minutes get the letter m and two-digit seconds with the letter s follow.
4h40
